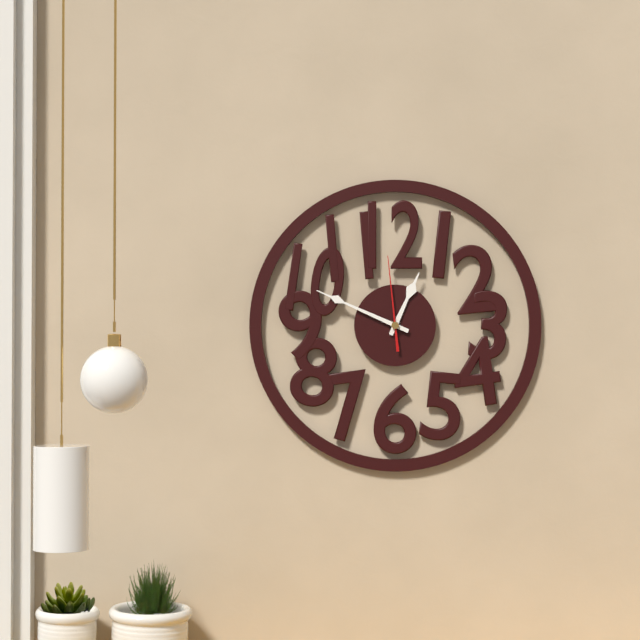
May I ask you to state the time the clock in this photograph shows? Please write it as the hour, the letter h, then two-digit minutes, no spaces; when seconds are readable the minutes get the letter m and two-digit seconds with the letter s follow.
12h49m59s
